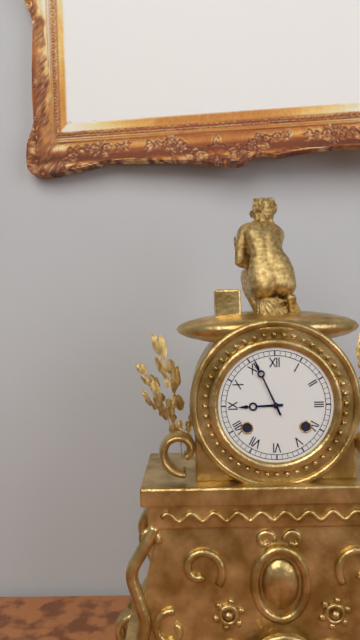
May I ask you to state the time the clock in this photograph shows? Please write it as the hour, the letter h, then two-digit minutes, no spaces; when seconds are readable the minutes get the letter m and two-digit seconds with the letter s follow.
8h56
